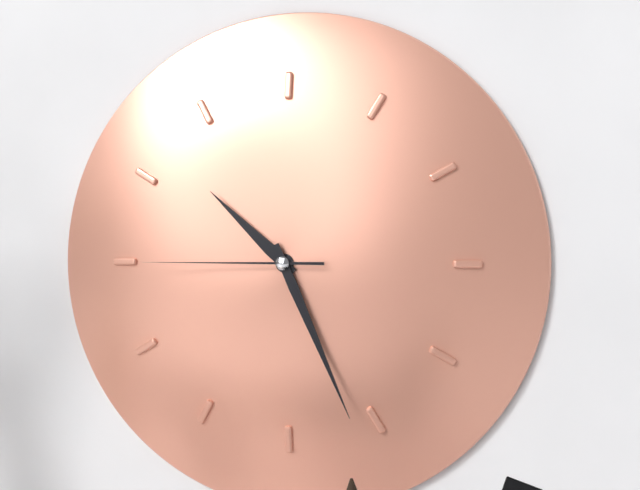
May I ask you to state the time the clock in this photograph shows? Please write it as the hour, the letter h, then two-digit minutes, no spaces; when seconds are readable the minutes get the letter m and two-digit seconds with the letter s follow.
10h26m45s
